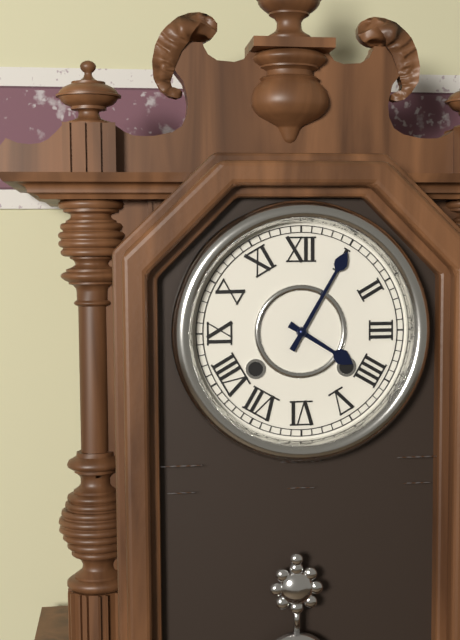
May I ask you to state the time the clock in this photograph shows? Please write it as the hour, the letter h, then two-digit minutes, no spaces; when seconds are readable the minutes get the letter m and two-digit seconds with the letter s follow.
4h05
